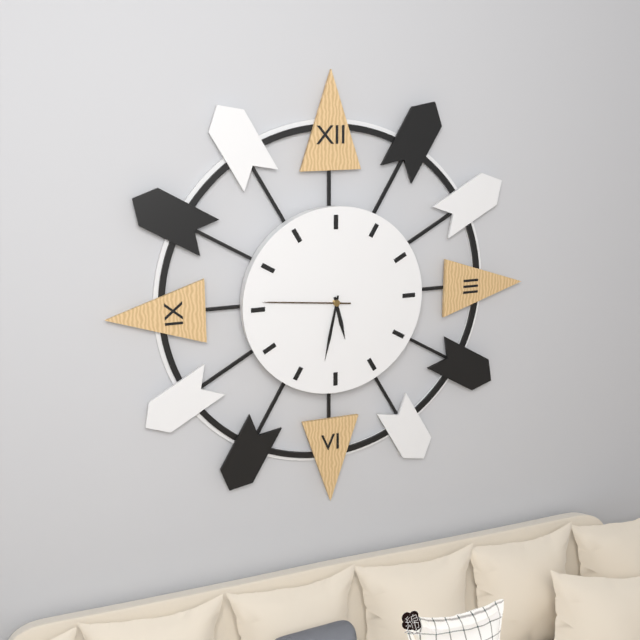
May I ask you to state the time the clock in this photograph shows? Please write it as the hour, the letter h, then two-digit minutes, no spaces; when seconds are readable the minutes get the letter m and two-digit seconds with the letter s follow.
5h32m46s
